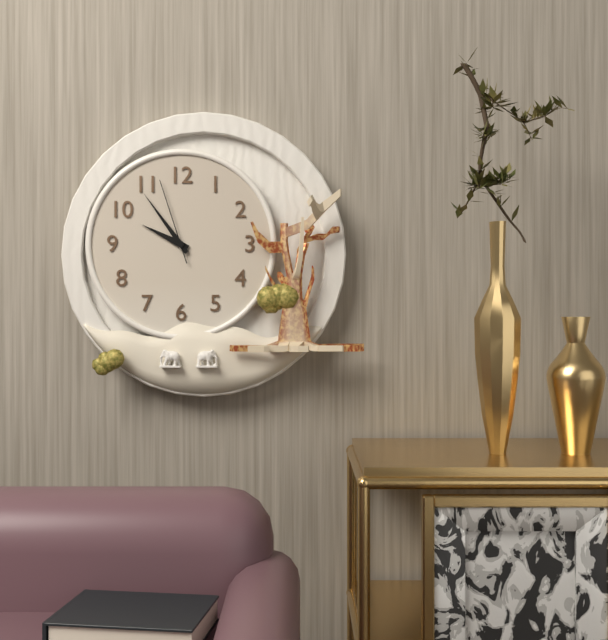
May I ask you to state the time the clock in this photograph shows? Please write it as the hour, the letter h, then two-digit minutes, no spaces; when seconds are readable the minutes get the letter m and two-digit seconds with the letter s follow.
9h54m57s
